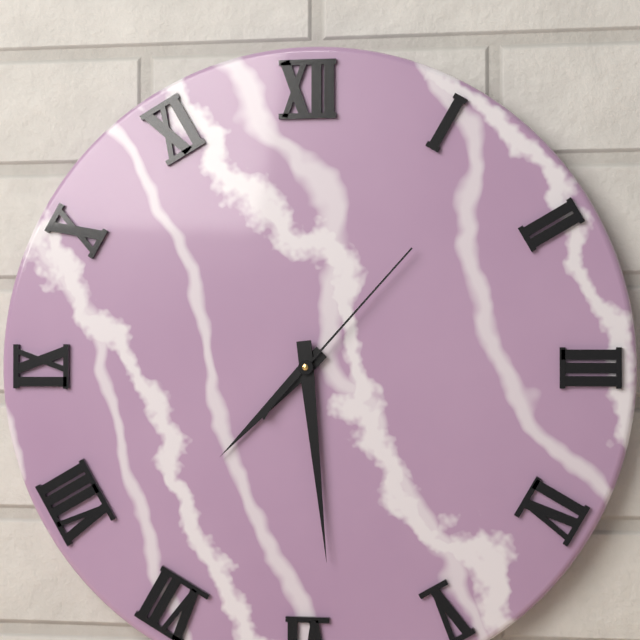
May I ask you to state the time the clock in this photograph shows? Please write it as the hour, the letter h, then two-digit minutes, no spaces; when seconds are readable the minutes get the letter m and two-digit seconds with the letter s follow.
7h29m07s
